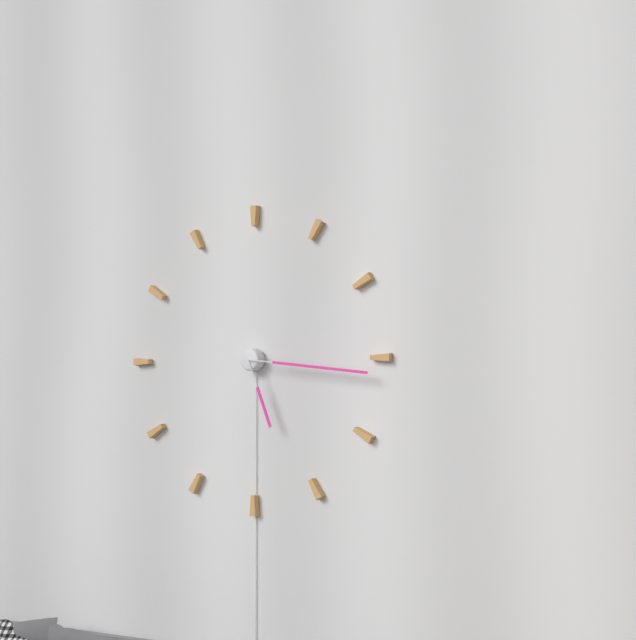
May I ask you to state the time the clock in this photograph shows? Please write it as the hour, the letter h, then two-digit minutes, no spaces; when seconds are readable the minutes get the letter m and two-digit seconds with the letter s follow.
5h16
